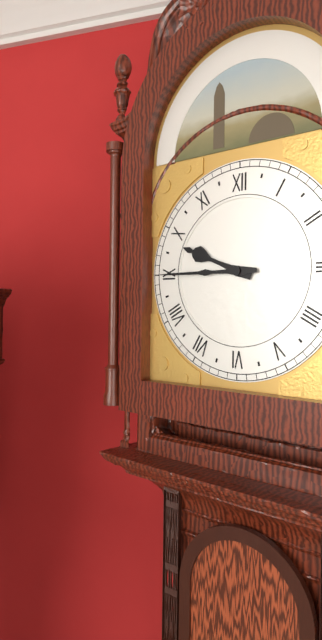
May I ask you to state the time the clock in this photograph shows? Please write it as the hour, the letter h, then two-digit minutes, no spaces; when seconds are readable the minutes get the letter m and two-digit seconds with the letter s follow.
9h45
